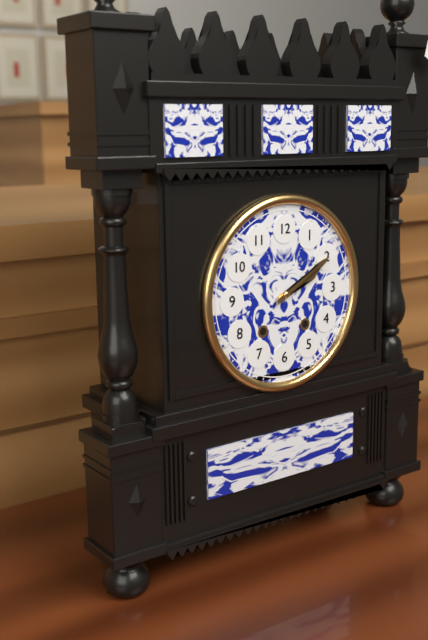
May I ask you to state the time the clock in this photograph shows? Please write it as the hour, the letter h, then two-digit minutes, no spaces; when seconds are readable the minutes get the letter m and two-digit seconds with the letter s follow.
2h10
